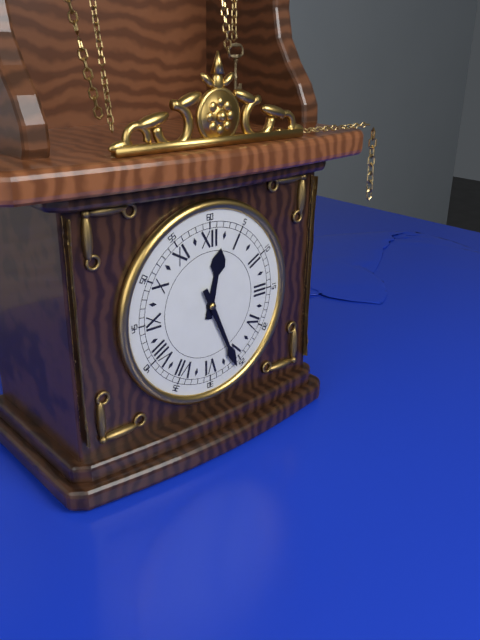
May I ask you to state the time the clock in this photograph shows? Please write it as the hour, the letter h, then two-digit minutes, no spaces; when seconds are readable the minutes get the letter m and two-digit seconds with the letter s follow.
12h26
